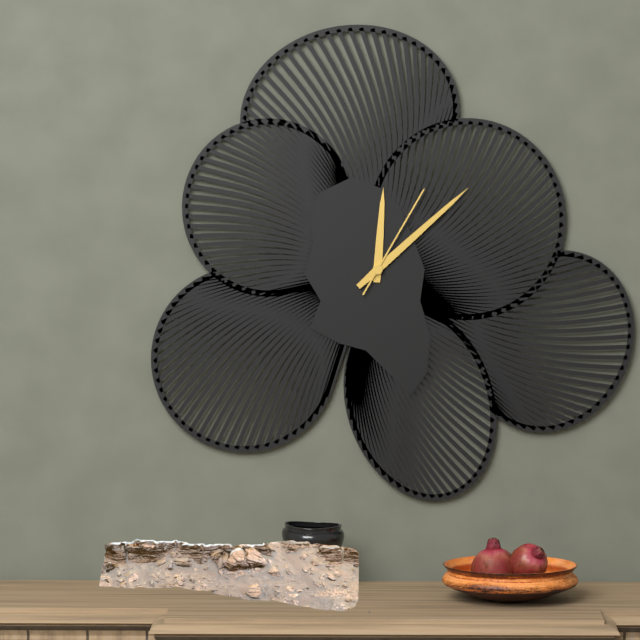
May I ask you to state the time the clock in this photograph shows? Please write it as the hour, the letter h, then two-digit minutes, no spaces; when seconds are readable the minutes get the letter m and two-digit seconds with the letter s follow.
12h08m05s
